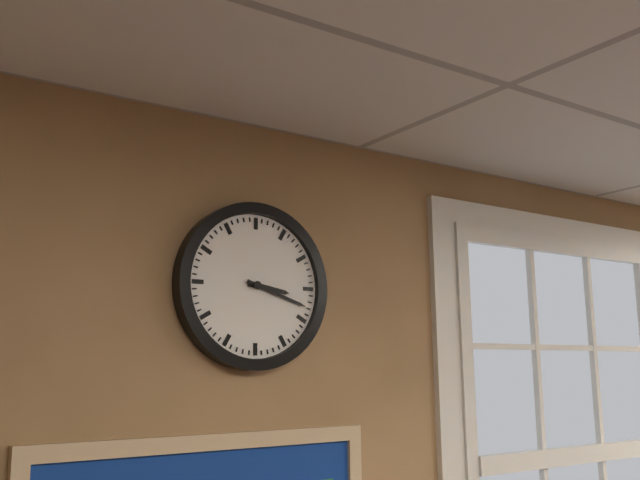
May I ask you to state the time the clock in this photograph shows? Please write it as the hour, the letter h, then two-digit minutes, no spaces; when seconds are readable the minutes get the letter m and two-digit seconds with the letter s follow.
3h18
